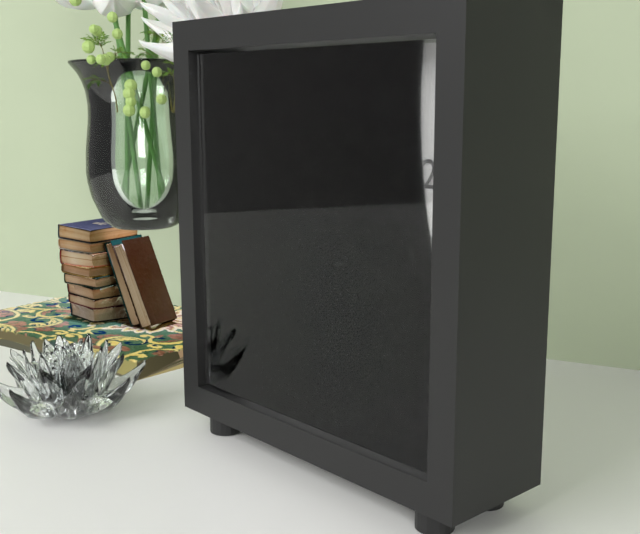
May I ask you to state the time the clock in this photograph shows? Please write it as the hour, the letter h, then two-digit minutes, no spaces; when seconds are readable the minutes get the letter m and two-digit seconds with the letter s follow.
2h39
